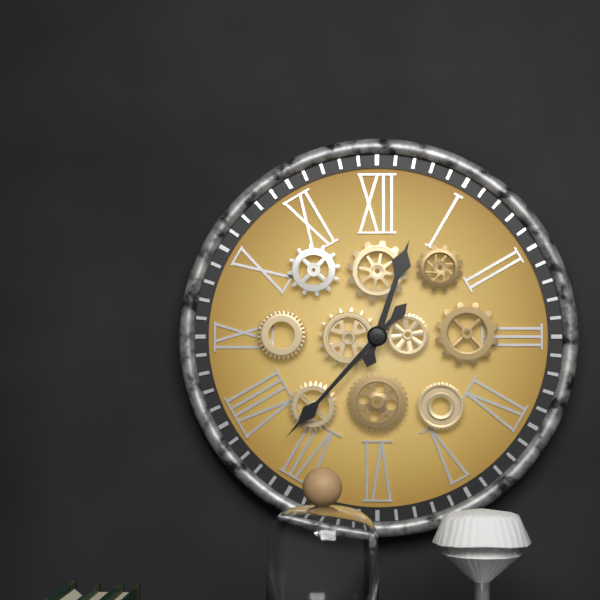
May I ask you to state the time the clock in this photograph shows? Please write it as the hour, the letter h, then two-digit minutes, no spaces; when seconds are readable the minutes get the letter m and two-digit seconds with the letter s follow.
12h37
